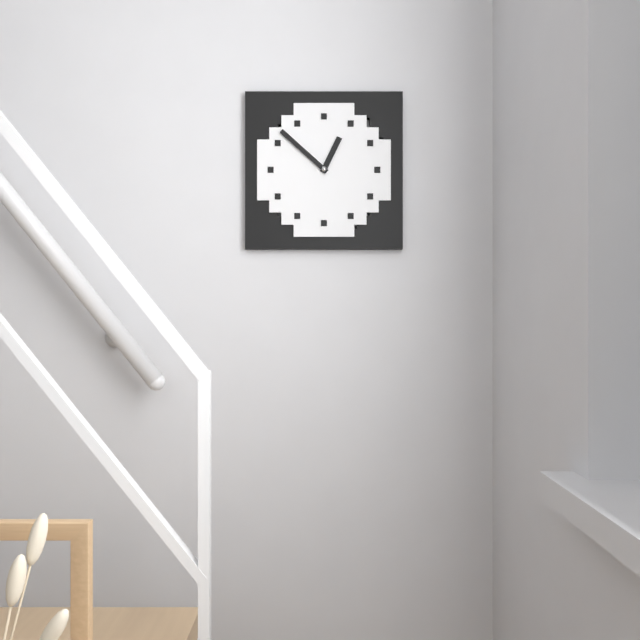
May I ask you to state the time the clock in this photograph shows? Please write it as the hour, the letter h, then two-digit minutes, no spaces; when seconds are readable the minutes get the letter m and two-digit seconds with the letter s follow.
12h52
